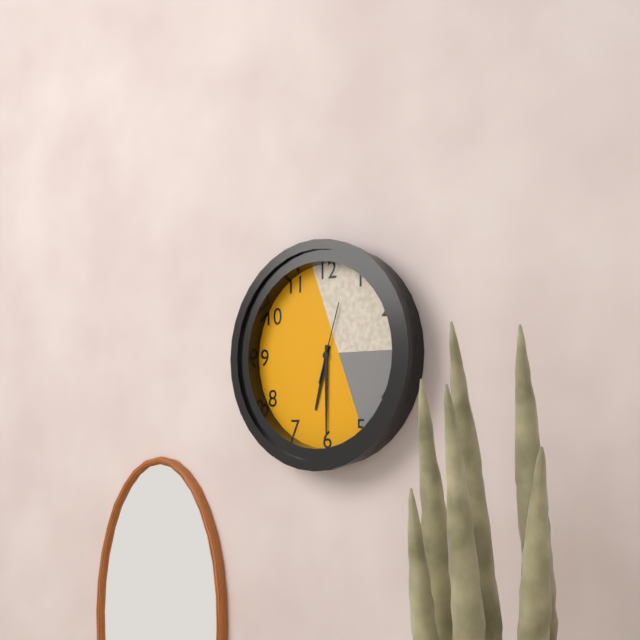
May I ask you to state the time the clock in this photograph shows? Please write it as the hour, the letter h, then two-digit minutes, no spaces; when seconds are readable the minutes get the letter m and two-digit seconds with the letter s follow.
6h30m03s
